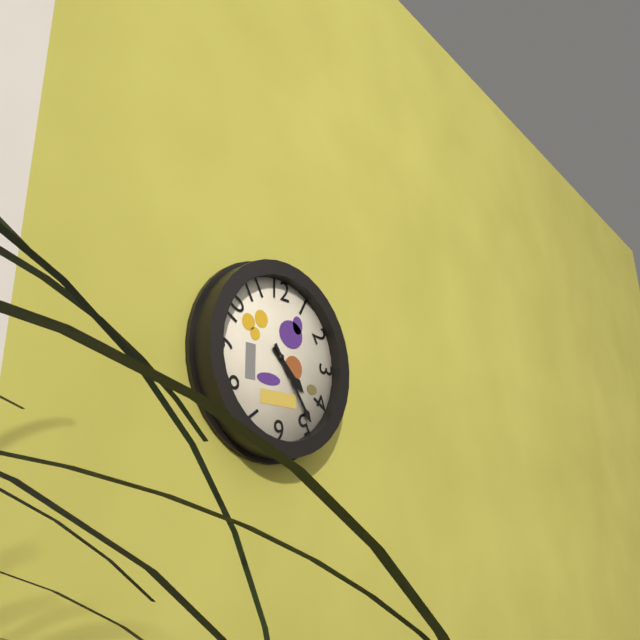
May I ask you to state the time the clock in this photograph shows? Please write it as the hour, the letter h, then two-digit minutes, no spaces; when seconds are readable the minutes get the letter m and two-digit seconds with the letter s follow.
4h24
